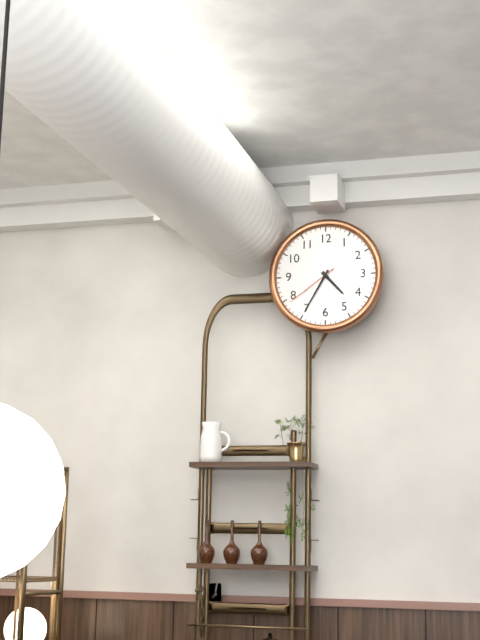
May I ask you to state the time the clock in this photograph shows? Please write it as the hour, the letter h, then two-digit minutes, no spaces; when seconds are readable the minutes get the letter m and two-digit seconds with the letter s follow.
4h35m39s
